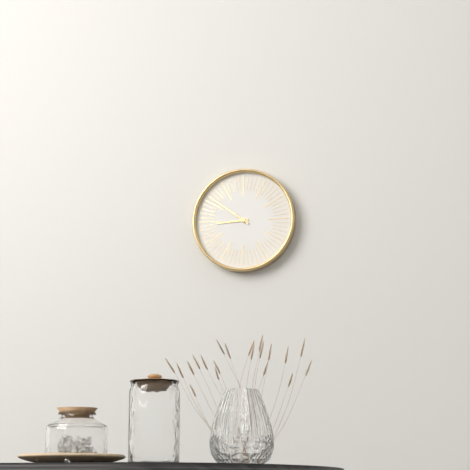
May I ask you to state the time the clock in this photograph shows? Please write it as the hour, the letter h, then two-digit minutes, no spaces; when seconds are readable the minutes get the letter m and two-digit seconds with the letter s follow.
8h51
